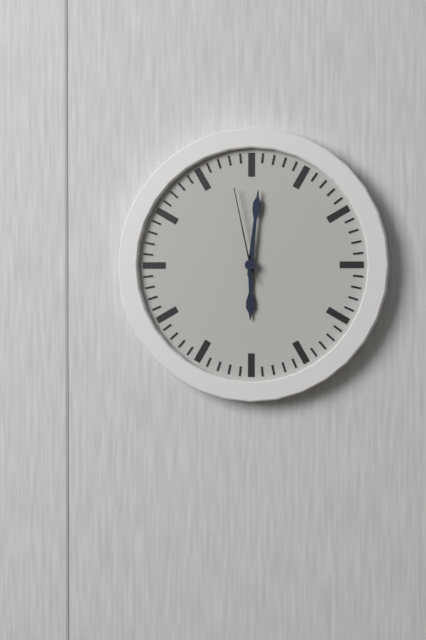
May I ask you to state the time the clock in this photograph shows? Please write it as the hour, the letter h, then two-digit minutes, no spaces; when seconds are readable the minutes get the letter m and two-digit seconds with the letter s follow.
6h01m58s
